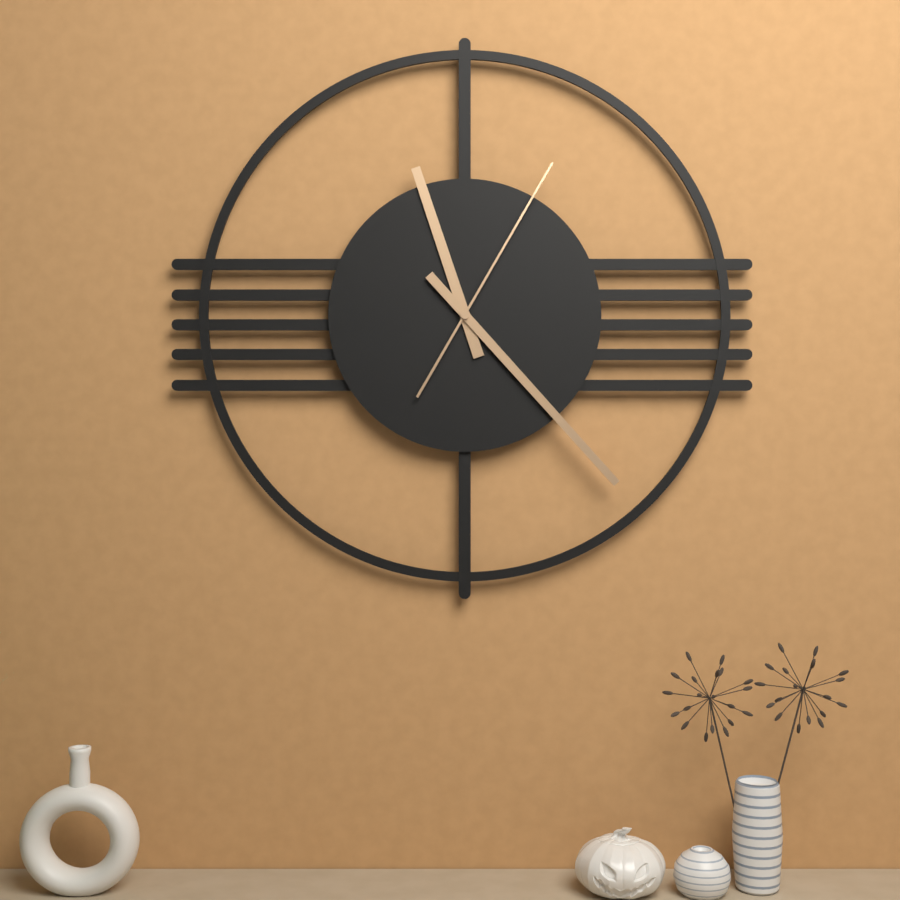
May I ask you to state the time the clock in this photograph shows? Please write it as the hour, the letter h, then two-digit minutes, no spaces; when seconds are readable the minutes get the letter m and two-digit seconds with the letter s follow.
11h23m05s
